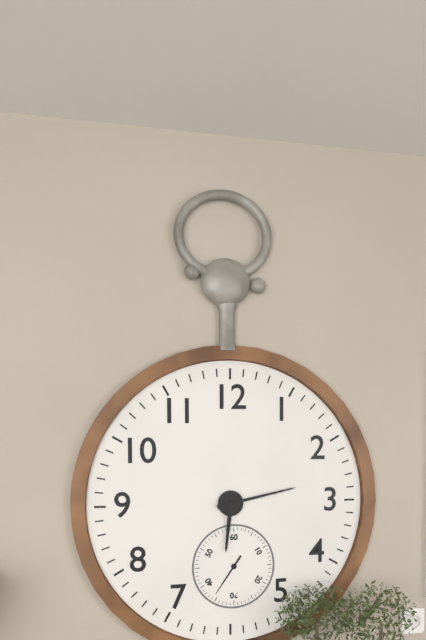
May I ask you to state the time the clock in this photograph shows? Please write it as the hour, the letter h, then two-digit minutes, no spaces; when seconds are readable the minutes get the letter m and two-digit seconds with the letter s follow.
6h13
